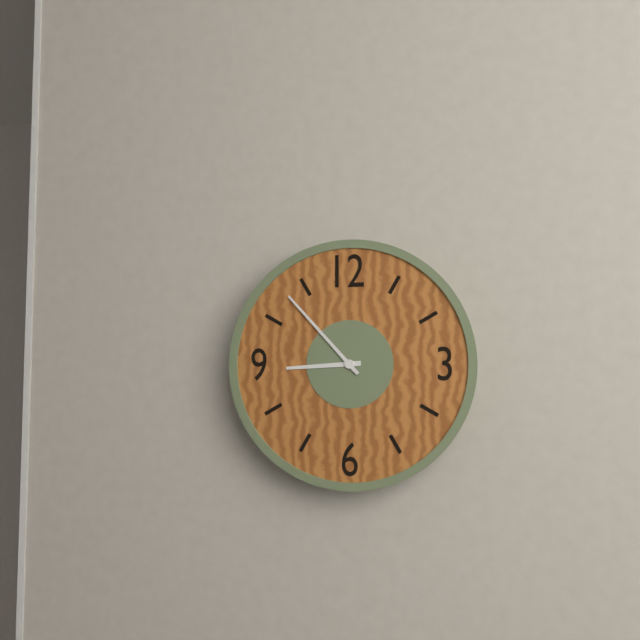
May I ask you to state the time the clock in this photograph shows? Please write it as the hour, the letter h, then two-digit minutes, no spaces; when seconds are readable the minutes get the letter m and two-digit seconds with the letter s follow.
8h53
